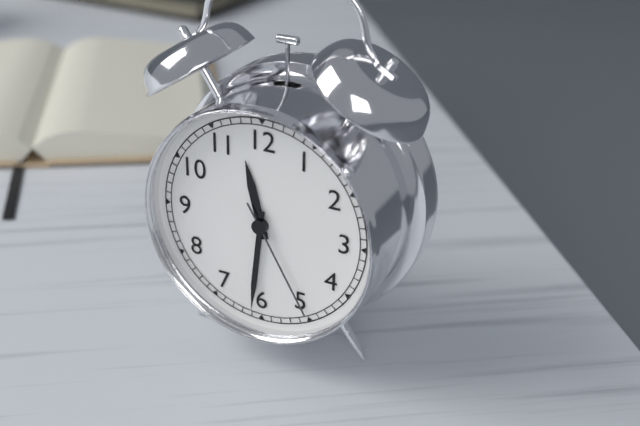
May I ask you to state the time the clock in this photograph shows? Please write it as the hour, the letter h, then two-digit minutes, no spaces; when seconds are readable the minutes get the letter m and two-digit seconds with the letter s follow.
11h31m25s
